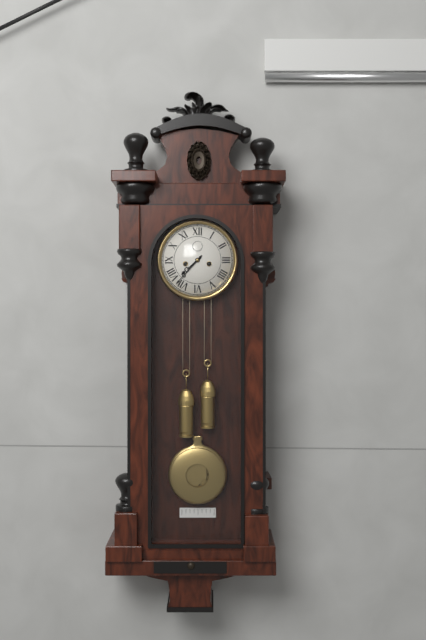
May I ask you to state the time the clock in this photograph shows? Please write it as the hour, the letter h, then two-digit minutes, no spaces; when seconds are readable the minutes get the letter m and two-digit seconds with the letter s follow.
7h37
